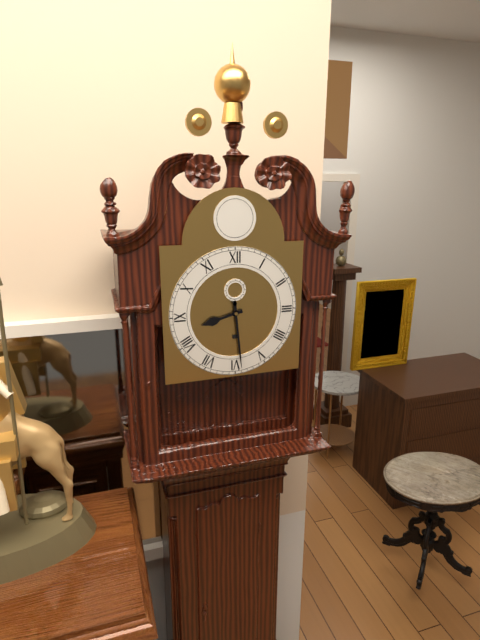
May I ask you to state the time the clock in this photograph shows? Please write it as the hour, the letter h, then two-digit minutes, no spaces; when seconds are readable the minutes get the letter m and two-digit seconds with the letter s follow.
8h29
